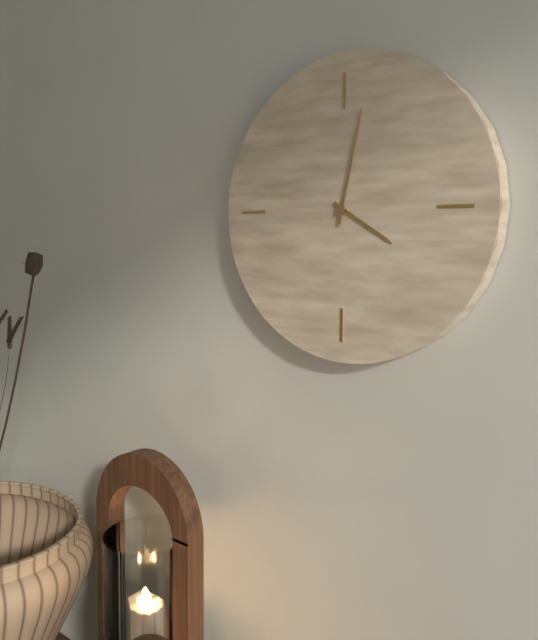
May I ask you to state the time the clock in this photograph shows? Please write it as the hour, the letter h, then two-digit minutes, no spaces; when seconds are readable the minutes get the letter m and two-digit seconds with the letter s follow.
4h02
